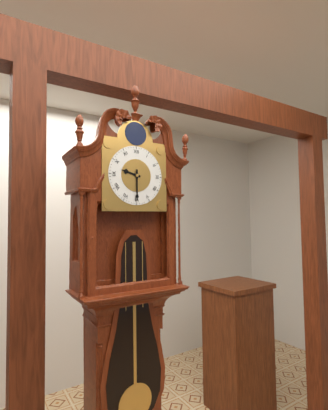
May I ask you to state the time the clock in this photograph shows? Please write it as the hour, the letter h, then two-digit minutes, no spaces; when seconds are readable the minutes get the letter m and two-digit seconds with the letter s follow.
9h30
